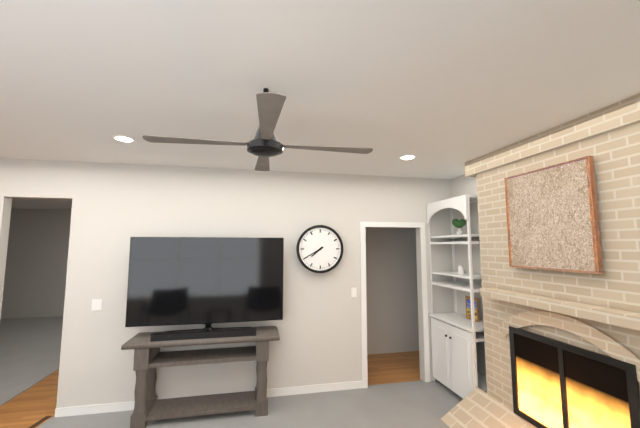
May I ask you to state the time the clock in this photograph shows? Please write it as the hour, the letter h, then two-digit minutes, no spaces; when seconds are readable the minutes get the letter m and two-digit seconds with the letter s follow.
7h40
